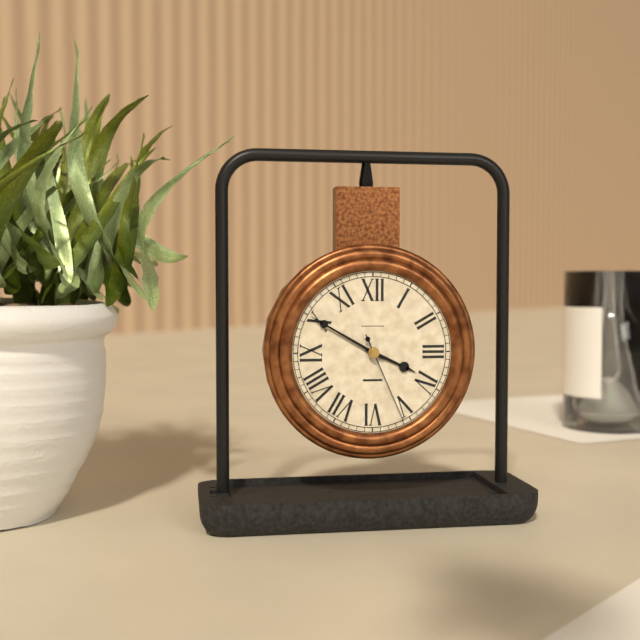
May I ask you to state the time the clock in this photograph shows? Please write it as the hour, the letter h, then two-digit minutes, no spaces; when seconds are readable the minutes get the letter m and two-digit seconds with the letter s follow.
3h50m26s
